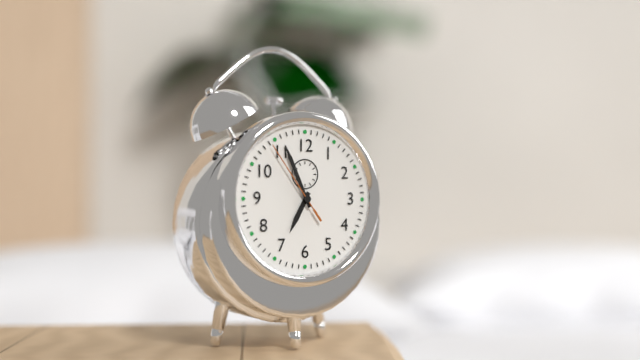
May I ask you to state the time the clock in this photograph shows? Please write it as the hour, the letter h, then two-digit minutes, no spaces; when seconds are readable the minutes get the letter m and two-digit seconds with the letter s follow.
6h56m54s
